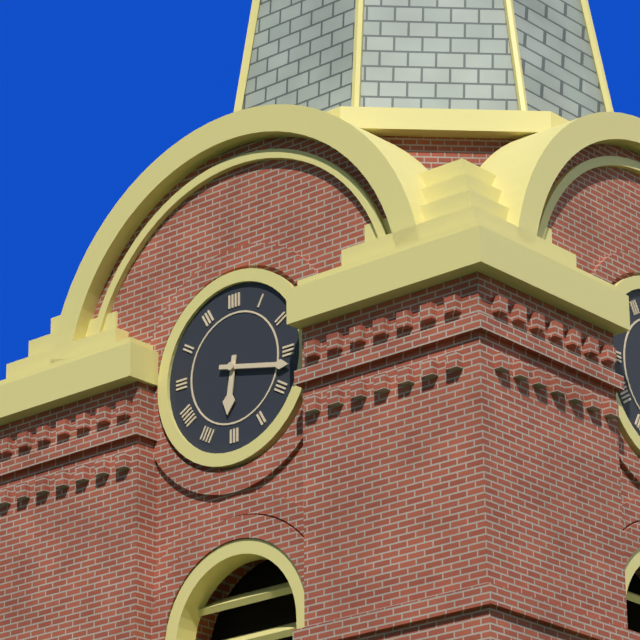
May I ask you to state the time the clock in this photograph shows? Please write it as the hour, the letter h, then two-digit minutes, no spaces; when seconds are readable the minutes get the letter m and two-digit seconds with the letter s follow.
6h17
